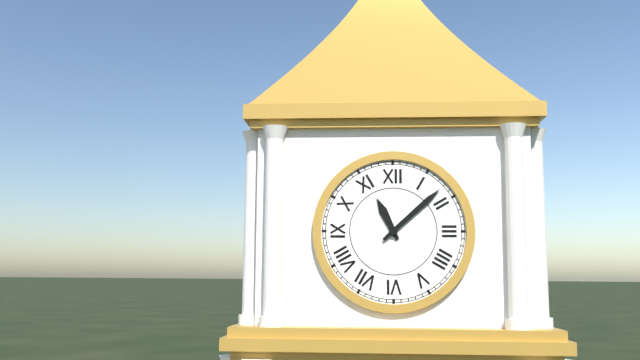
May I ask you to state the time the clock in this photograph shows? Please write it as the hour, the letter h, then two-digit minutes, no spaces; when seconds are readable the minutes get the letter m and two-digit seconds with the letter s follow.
11h08
